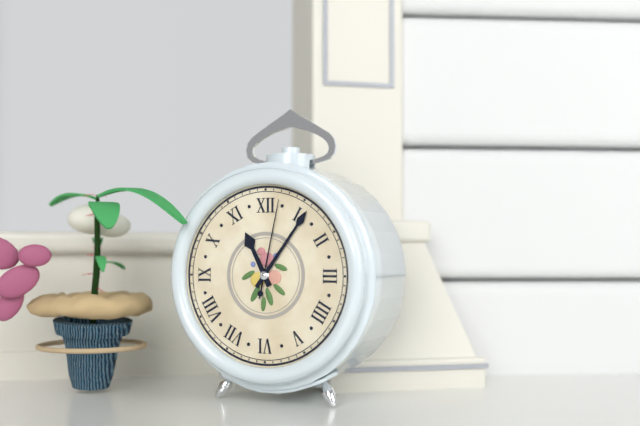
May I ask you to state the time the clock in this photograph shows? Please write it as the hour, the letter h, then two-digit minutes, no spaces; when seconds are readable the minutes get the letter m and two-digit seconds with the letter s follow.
11h06m02s
